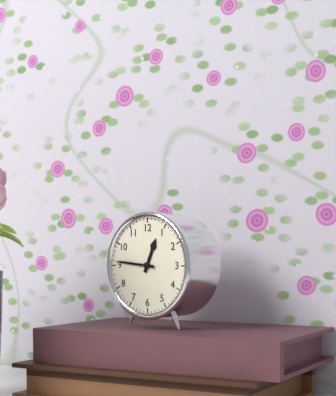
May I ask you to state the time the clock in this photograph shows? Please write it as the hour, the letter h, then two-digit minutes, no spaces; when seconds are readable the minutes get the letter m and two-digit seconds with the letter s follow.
12h46
